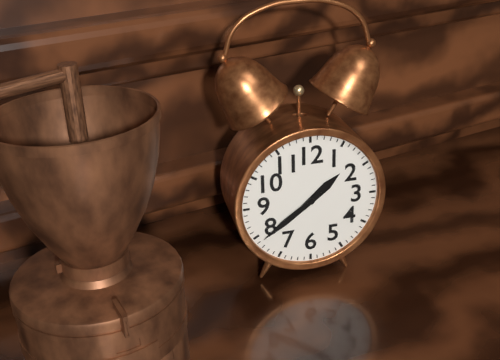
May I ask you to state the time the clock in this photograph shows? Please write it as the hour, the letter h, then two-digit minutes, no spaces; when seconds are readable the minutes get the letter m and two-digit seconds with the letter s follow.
1h39
